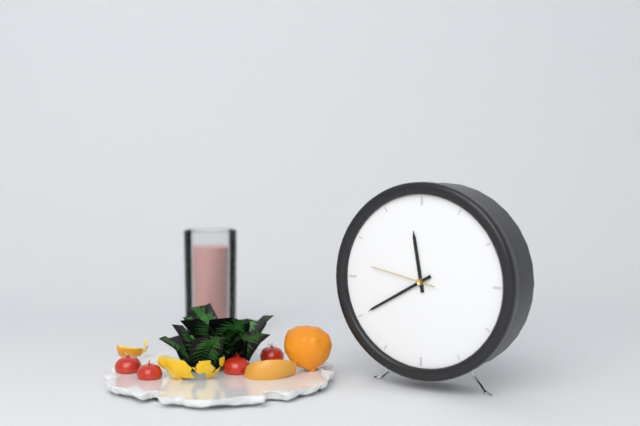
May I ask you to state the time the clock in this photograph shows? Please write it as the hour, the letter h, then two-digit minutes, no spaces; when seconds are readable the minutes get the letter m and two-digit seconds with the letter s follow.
11h40m47s
